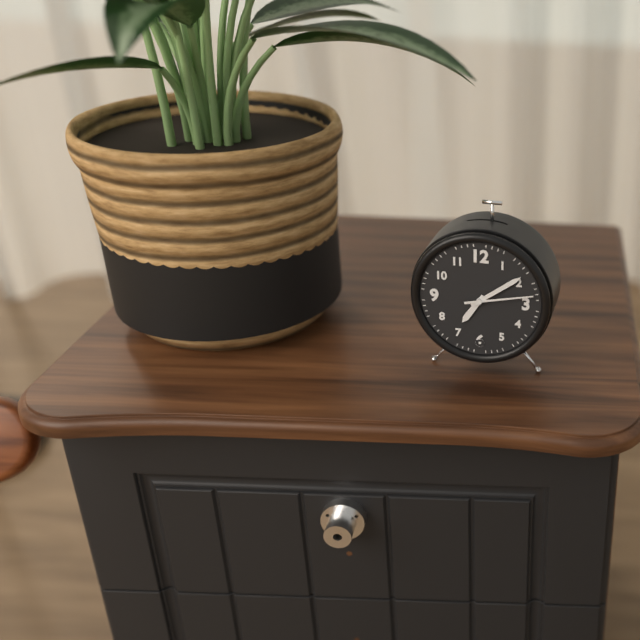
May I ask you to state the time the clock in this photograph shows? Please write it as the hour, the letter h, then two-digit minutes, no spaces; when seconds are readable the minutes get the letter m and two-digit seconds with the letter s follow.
7h09m13s
